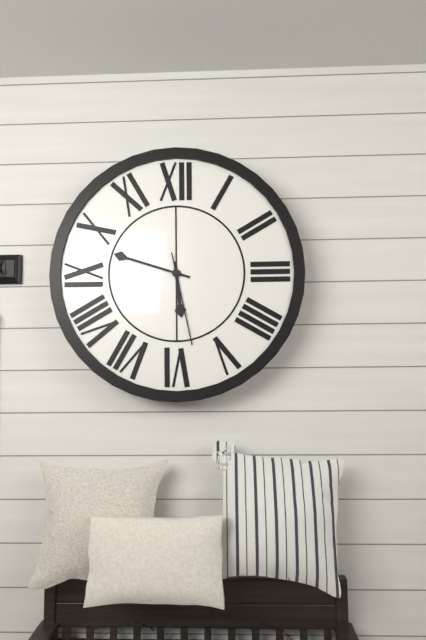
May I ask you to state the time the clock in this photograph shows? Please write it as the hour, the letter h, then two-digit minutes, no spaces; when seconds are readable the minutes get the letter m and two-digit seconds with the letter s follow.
5h48m28s
